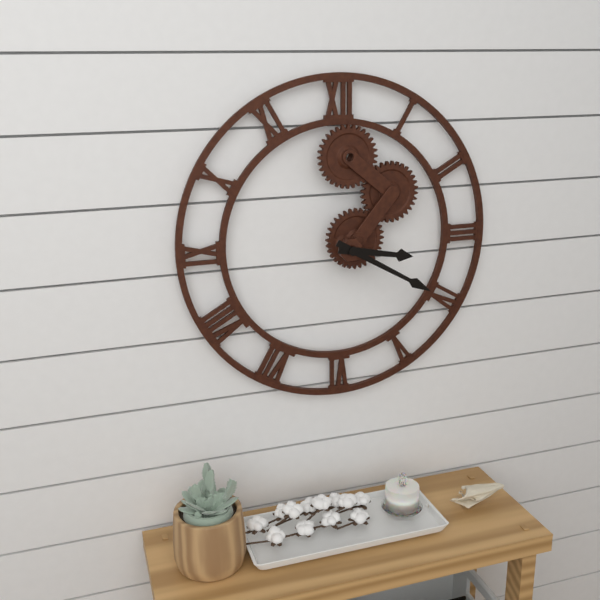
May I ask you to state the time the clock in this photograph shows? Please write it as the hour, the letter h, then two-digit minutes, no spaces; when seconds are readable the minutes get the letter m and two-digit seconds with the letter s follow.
3h20
